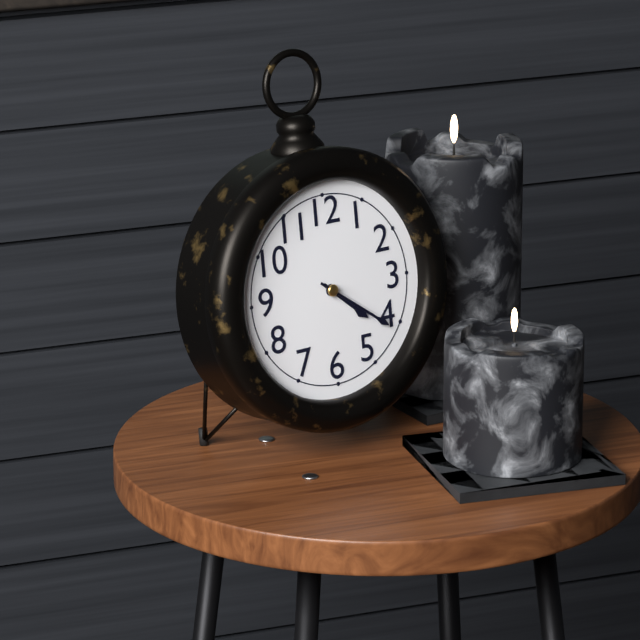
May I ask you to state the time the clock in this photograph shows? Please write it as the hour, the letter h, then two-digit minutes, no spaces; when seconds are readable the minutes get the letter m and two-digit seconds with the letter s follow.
4h21
